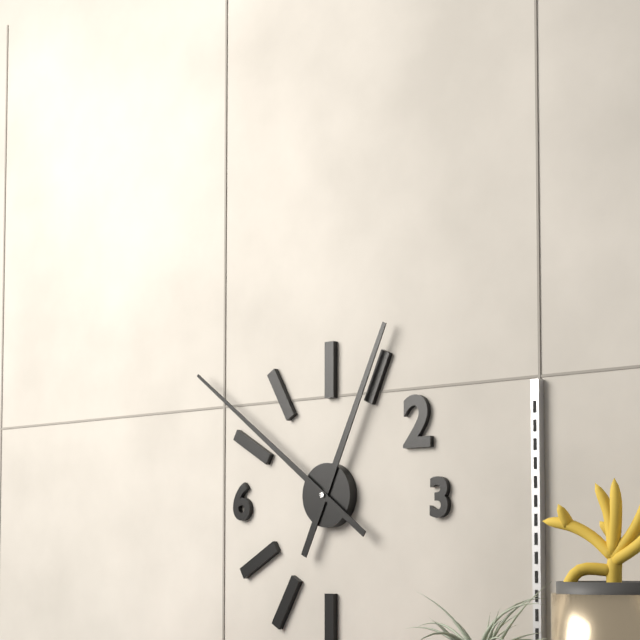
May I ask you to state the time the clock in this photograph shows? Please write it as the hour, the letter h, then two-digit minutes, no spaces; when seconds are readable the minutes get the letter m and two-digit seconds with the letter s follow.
12h51
